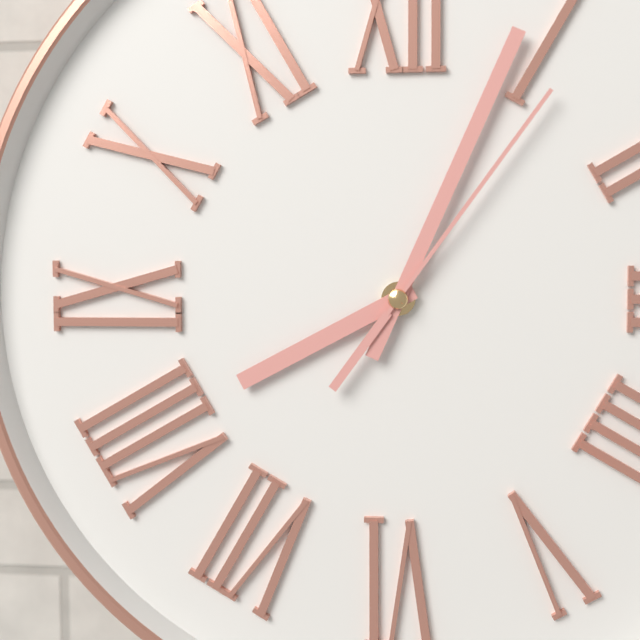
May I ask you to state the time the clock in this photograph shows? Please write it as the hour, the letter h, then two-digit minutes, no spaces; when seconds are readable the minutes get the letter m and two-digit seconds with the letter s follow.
8h04m06s
